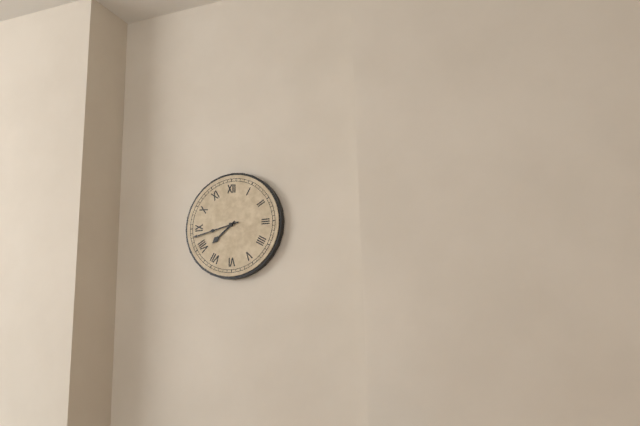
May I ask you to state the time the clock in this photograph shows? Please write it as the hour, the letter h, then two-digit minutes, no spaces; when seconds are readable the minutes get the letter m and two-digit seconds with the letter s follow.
7h43
